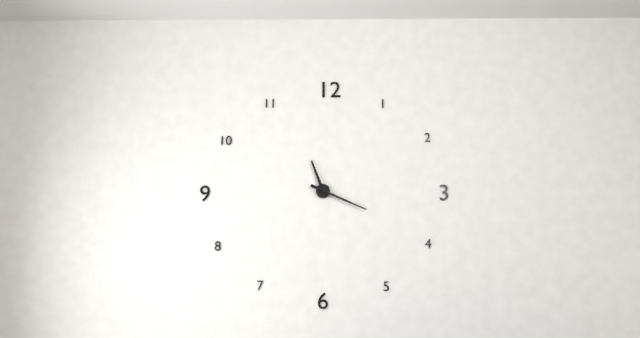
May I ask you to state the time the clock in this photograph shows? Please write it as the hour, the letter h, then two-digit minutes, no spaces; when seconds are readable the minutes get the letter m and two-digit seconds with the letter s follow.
11h19
